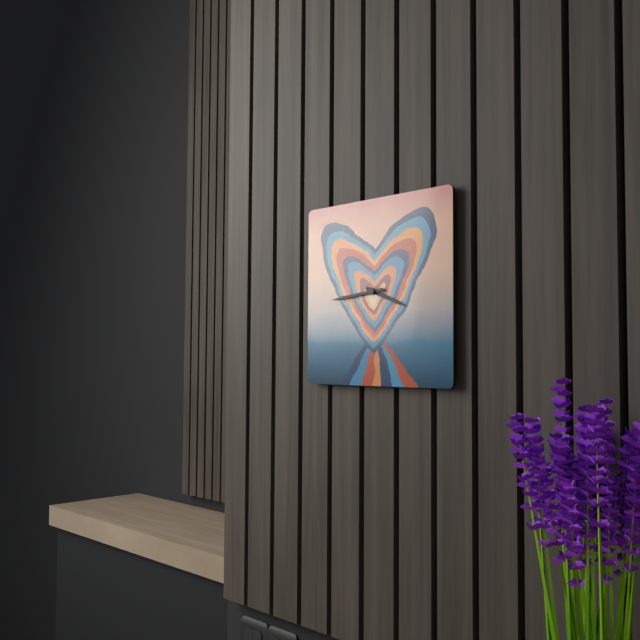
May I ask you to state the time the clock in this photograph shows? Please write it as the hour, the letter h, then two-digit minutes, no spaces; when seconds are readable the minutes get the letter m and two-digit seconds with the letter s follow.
3h44
